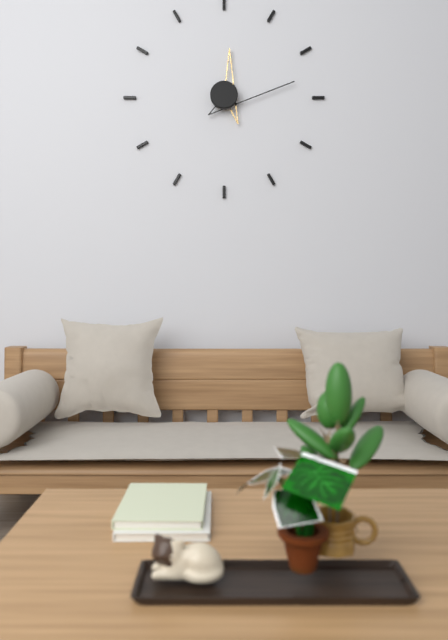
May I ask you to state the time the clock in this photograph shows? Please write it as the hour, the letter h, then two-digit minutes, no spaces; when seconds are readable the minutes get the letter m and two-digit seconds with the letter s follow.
12h13
